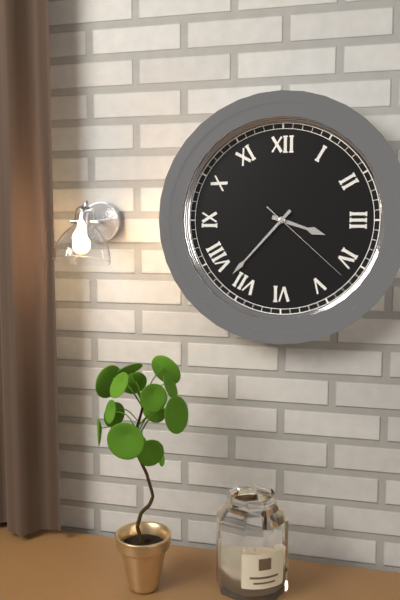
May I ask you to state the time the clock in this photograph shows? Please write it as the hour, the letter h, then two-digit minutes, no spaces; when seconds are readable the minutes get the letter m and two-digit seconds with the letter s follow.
3h37m22s
